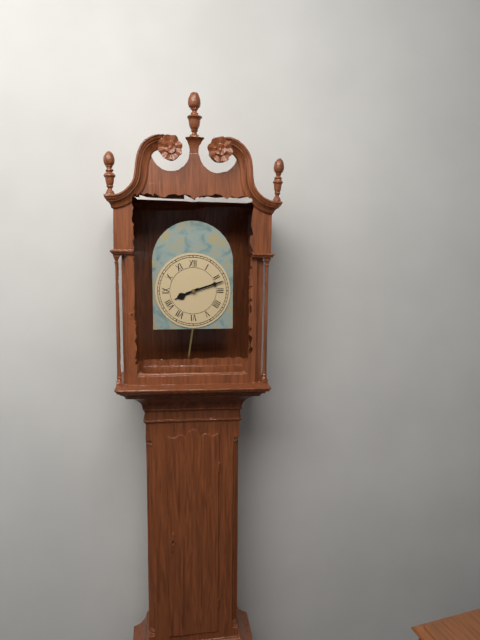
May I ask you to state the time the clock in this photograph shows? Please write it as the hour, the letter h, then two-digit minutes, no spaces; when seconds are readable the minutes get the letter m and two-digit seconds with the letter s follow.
8h12
